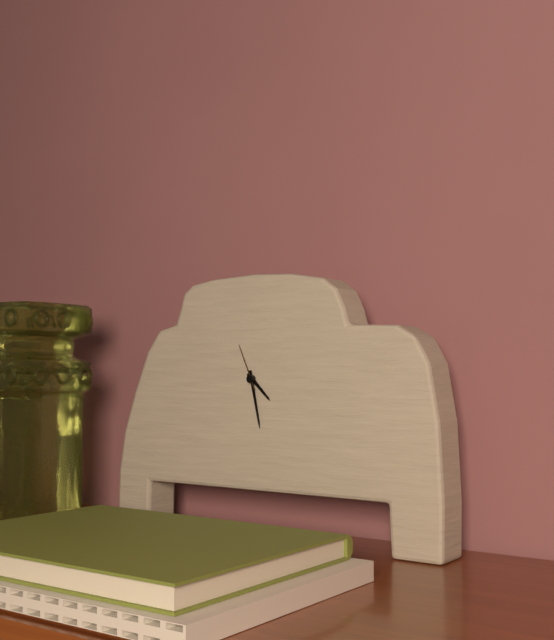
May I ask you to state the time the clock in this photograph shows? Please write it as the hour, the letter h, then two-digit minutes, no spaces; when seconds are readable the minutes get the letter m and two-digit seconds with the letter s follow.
4h28
